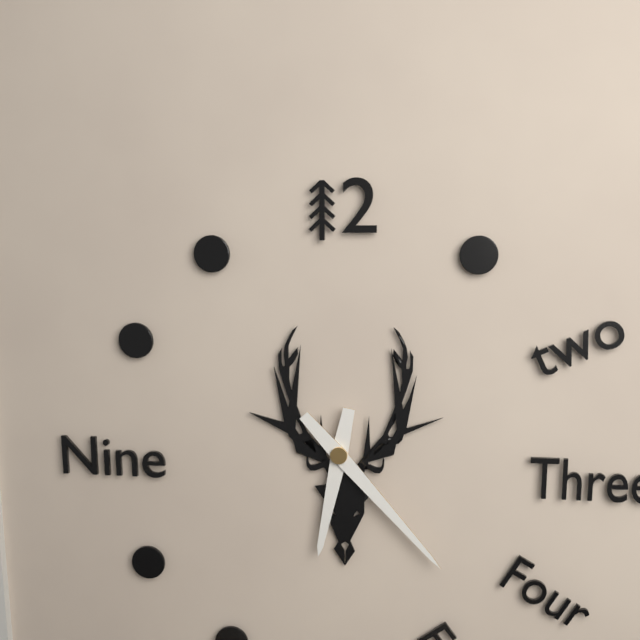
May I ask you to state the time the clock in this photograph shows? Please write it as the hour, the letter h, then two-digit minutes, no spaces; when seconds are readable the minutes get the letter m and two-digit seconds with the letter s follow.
6h23
